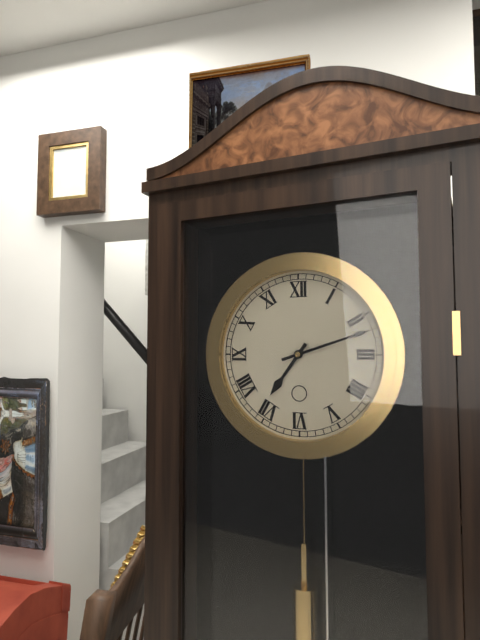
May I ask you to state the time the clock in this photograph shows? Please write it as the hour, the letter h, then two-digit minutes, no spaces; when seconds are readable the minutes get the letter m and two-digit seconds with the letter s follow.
7h12
